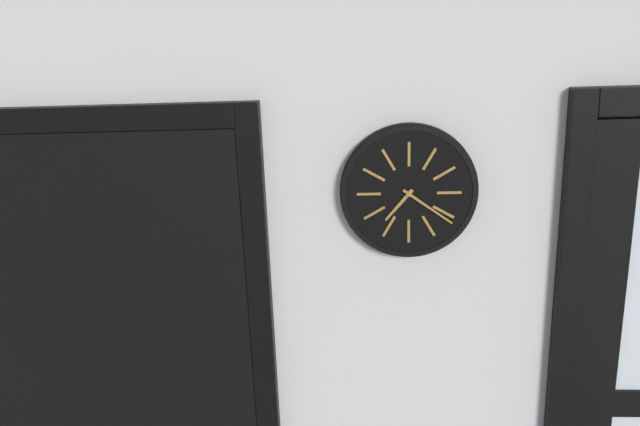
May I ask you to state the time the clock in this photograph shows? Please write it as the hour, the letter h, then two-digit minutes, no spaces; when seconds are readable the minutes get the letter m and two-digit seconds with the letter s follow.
7h21
